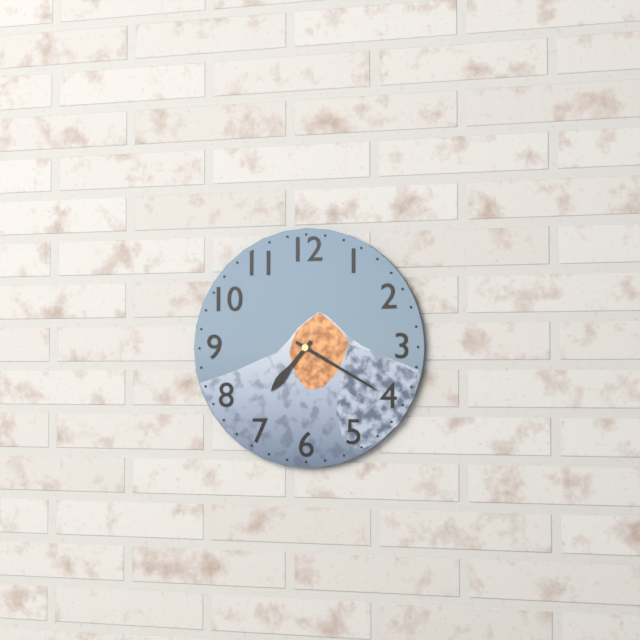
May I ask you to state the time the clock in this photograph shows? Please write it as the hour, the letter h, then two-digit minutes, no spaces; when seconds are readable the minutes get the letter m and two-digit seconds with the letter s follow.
7h20
